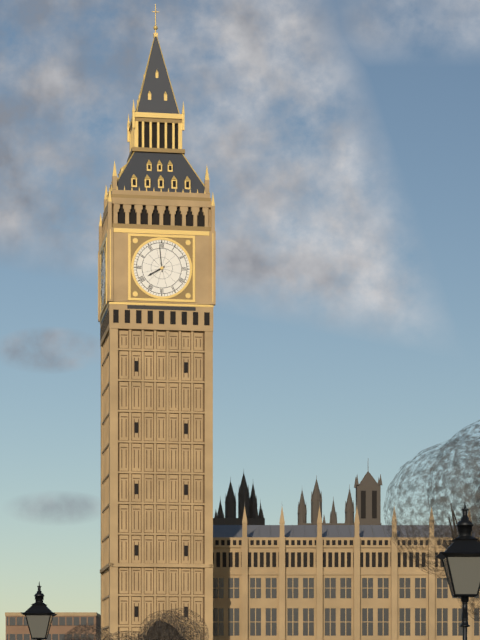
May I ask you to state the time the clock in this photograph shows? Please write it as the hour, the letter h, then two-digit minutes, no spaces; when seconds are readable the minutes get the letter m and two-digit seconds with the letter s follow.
7h59
